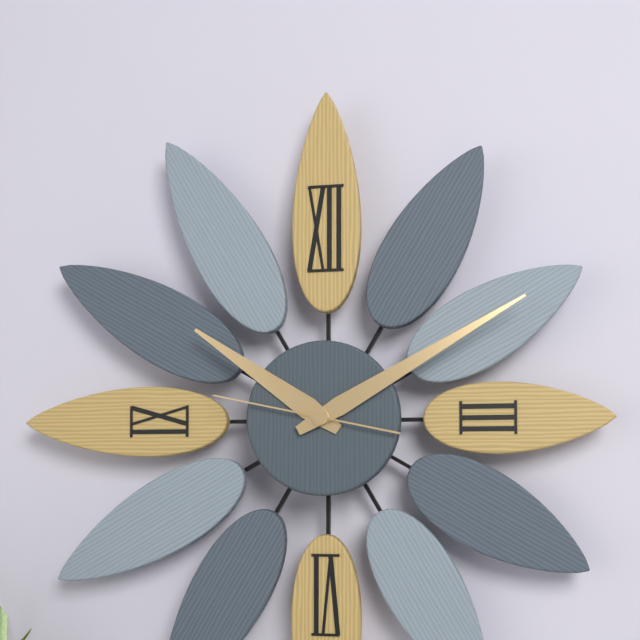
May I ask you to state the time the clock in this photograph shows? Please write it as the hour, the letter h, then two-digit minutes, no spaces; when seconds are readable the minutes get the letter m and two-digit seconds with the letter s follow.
10h10m47s
